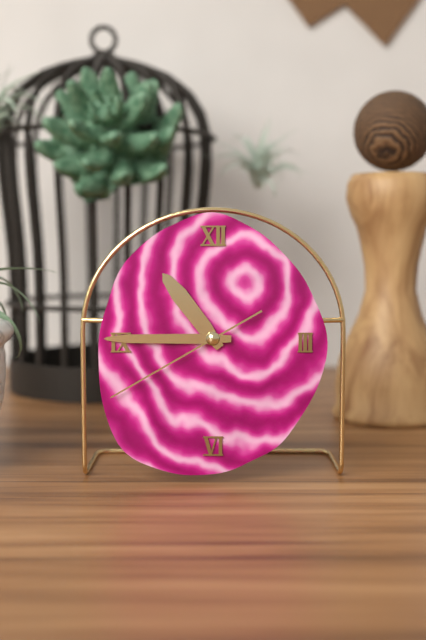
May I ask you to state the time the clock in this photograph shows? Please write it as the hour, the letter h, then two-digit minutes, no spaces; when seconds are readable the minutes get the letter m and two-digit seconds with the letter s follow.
10h45m40s
